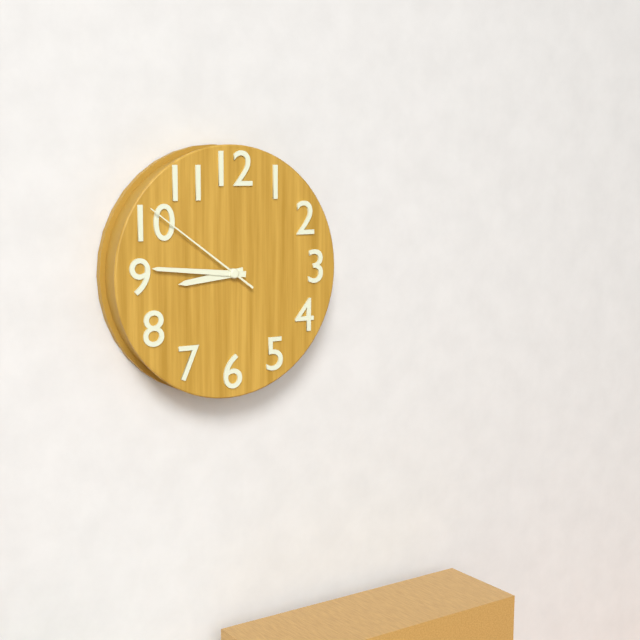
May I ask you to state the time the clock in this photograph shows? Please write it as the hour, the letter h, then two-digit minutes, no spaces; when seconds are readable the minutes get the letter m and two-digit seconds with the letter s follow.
8h46m51s
